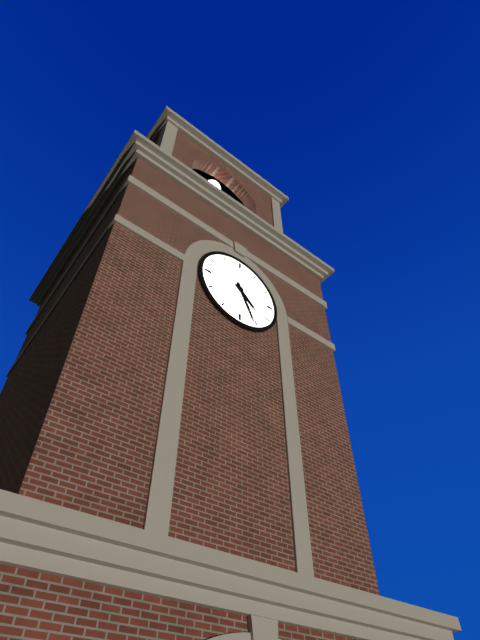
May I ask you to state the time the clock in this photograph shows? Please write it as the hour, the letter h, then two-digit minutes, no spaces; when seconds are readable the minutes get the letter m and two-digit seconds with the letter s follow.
4h26
